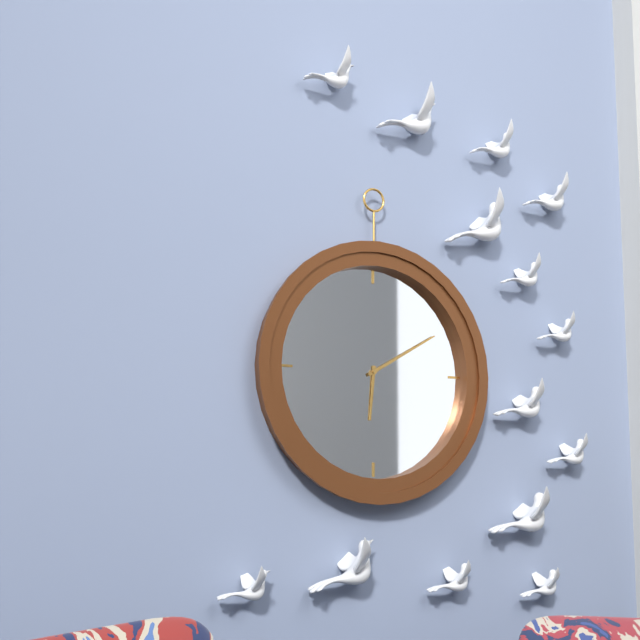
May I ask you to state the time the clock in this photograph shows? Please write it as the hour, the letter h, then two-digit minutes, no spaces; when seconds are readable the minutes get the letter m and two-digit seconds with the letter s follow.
6h10
